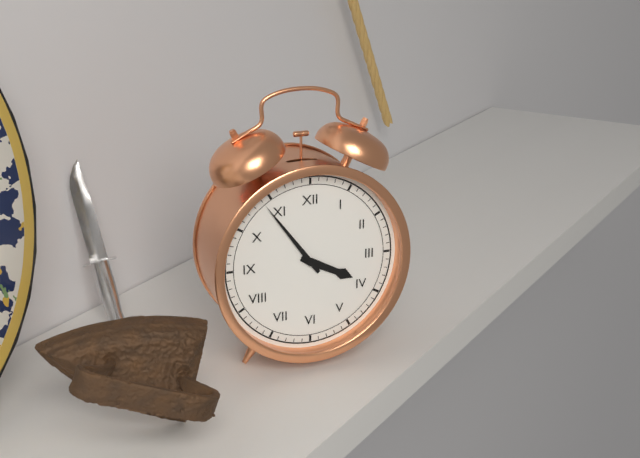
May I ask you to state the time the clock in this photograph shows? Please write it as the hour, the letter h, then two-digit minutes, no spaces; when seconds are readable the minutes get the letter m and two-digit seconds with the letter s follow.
3h54
